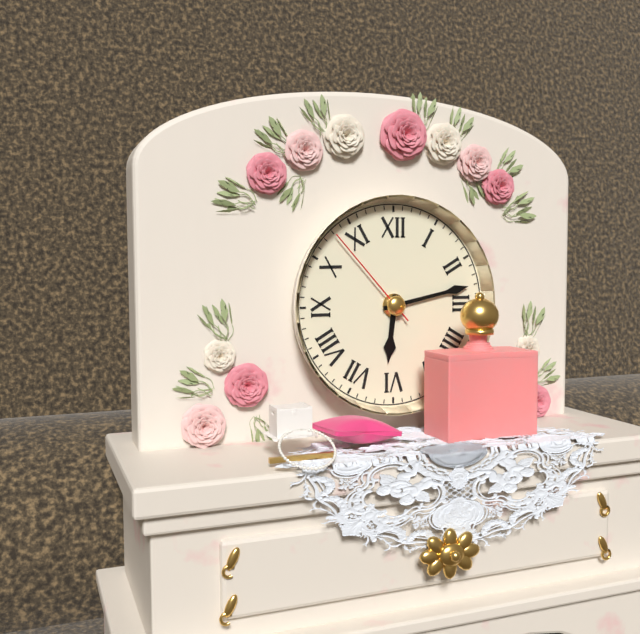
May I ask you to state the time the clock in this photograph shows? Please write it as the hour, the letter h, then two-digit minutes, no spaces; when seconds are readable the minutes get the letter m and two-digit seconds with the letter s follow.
6h13m53s
